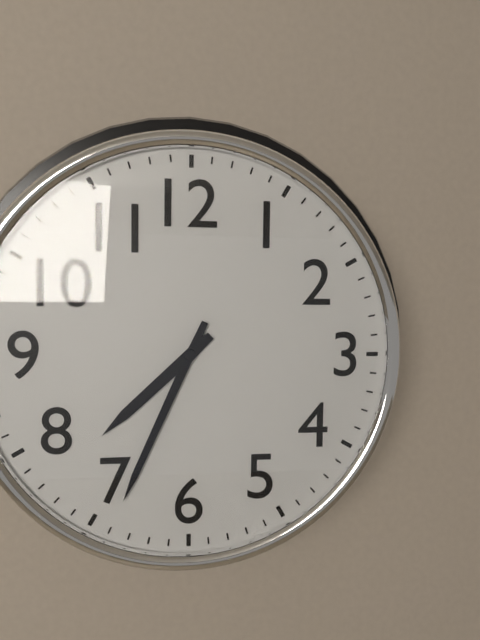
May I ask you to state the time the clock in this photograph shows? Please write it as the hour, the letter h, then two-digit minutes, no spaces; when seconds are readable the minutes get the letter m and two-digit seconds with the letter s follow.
7h34
